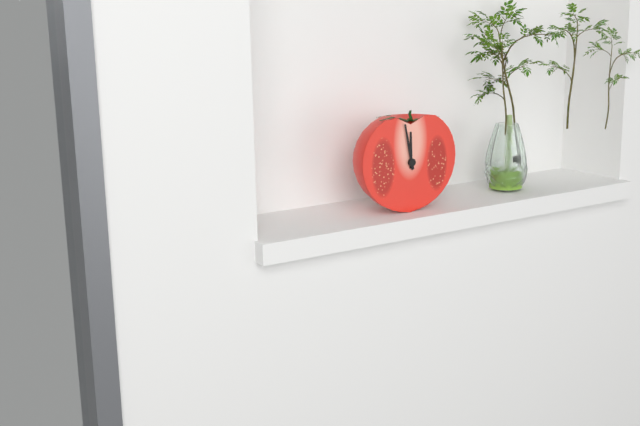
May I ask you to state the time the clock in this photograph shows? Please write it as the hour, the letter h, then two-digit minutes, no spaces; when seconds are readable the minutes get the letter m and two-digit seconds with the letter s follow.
11h58
